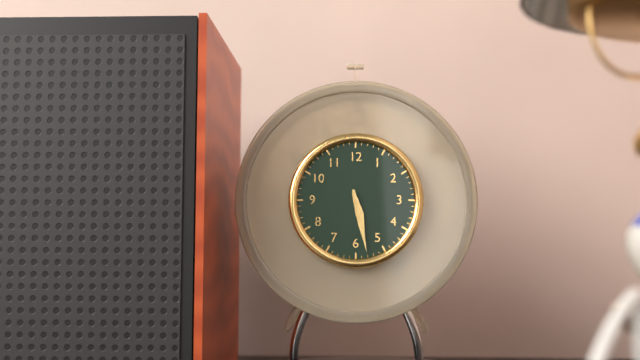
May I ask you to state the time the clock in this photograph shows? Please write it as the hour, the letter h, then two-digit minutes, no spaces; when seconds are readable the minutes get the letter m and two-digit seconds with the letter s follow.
5h28
